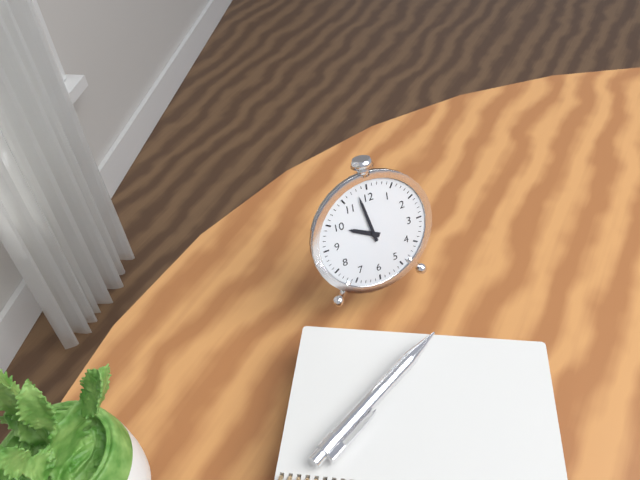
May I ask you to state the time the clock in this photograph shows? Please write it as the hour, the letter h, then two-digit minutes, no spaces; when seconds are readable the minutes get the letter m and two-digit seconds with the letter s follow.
9h58
